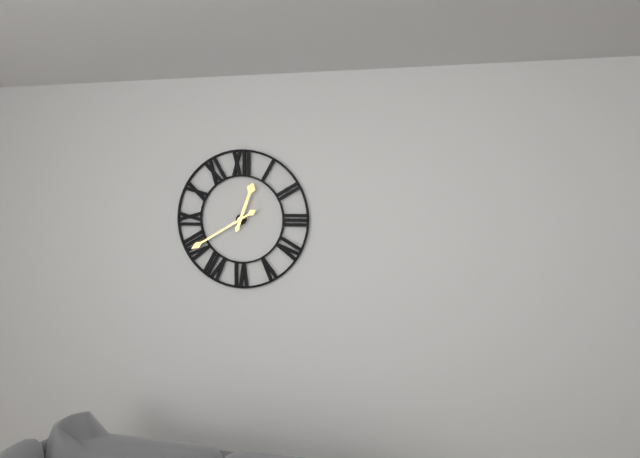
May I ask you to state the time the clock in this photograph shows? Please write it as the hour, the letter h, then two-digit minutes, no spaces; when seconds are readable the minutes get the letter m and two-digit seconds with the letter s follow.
12h40
